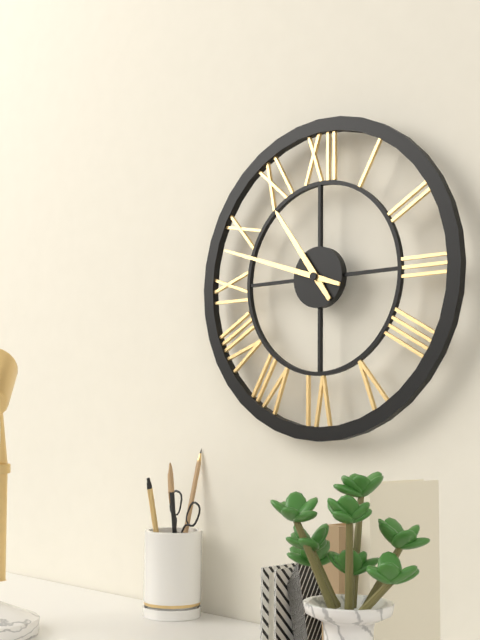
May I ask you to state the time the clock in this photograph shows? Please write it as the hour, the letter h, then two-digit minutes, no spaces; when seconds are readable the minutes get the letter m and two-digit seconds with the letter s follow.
10h48
